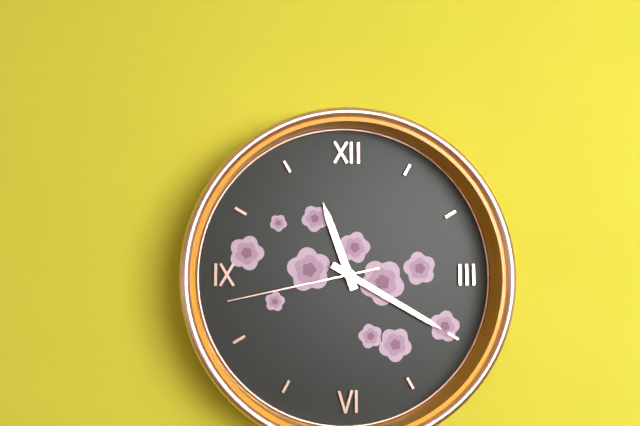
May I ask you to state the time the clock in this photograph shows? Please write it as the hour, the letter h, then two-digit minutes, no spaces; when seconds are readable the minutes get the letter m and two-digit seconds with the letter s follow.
11h20m43s
